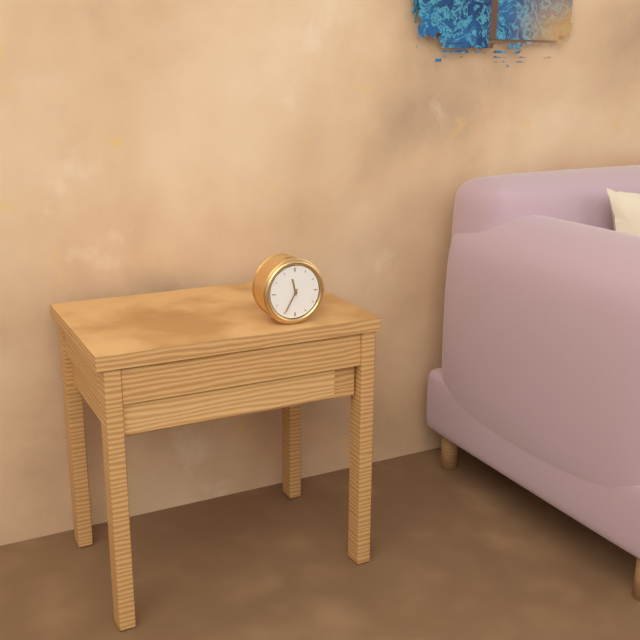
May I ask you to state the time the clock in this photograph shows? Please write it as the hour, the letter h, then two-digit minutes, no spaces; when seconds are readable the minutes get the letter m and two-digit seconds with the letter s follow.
11h35
